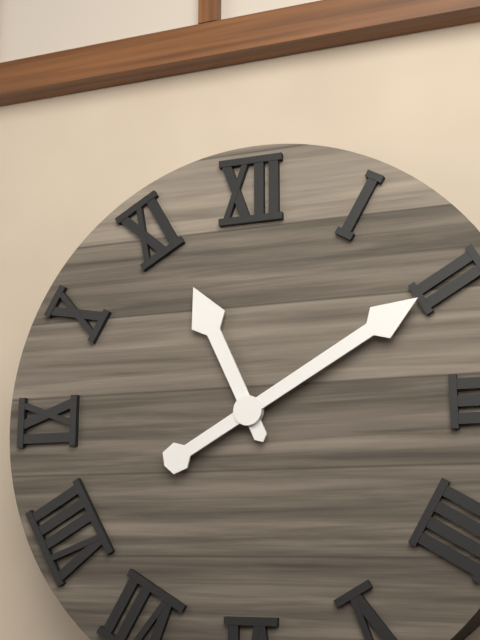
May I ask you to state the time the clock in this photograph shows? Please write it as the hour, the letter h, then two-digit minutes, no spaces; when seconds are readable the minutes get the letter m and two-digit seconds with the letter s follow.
11h10
